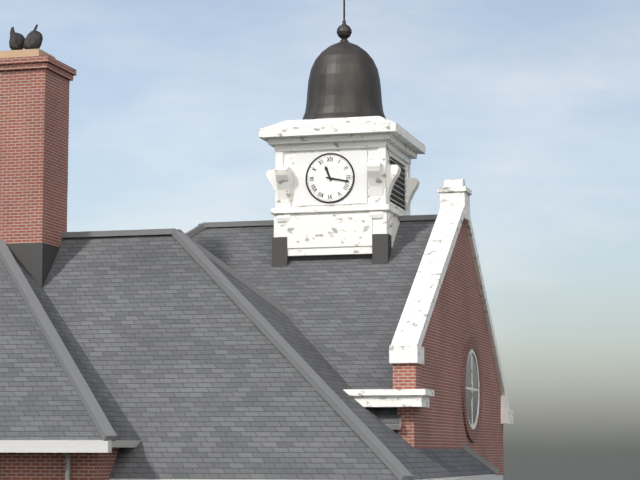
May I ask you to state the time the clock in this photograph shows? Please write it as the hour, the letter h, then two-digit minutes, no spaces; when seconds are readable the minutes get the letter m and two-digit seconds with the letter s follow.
11h17
